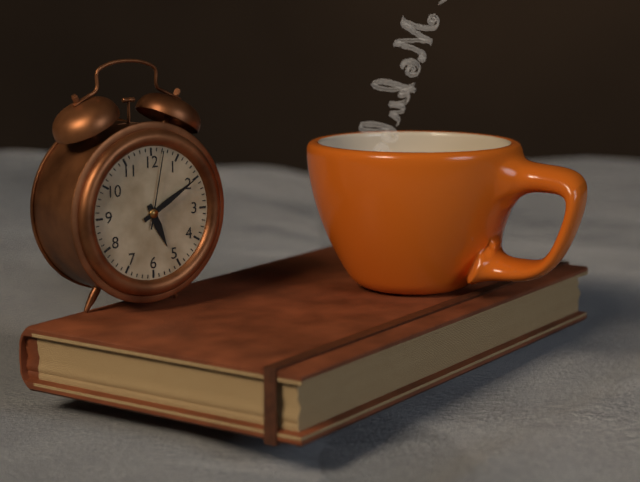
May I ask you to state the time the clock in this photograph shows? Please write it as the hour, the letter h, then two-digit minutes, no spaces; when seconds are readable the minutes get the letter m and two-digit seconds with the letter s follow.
5h10m02s
